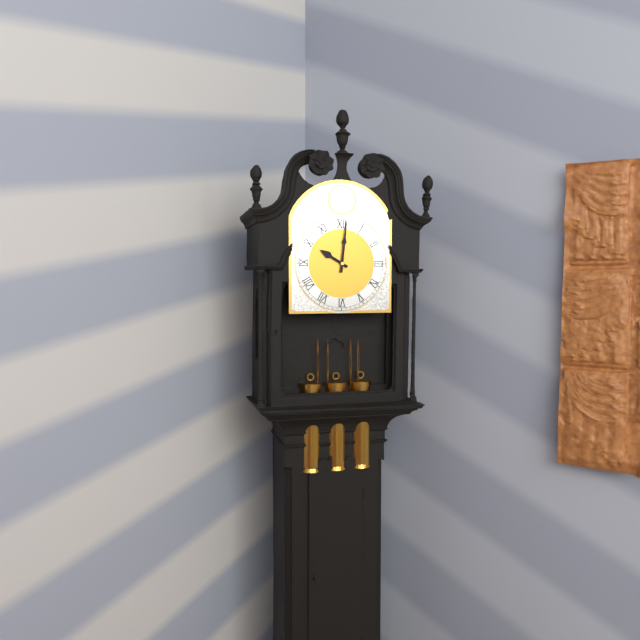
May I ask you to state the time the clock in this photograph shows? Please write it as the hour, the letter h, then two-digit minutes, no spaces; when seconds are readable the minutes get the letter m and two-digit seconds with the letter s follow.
10h01
